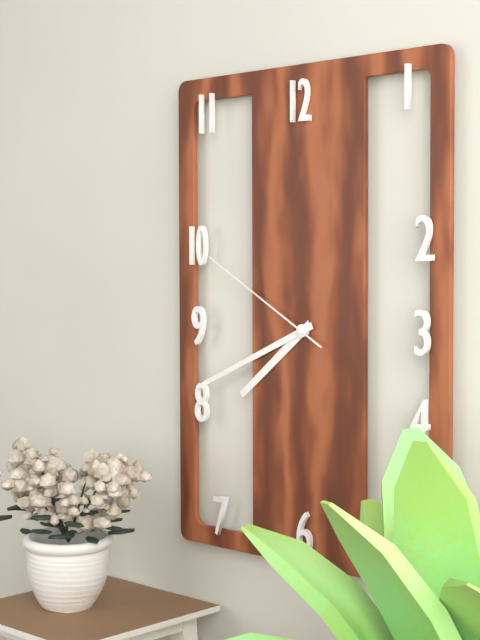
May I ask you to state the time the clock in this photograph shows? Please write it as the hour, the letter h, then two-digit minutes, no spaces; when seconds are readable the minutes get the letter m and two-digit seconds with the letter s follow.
7h41m50s
